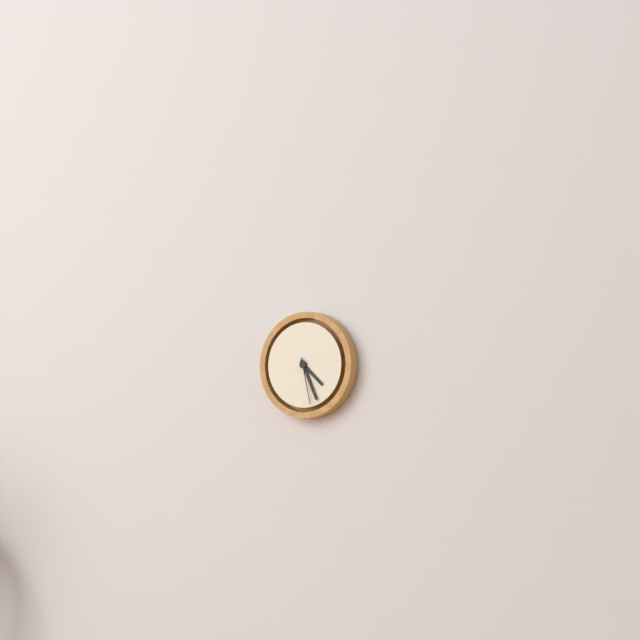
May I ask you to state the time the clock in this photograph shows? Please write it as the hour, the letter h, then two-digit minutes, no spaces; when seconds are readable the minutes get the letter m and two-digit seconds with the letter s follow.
4h26
